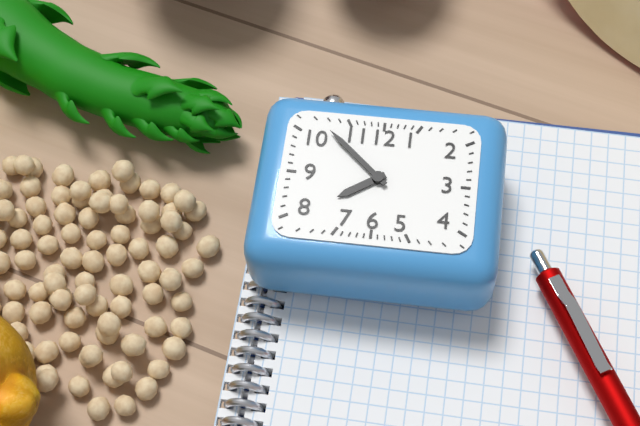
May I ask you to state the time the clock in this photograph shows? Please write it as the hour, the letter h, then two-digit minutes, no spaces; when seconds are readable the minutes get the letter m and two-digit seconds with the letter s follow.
7h52
